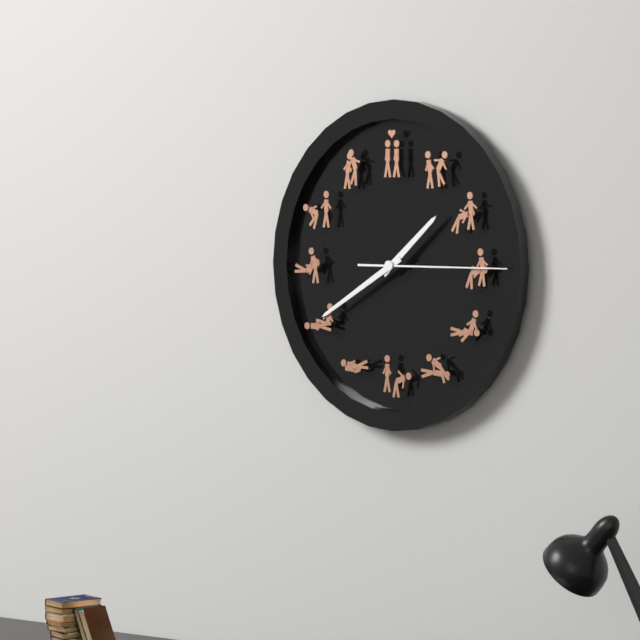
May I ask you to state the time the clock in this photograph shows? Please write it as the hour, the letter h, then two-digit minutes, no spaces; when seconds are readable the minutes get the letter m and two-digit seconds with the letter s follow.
1h40m15s
